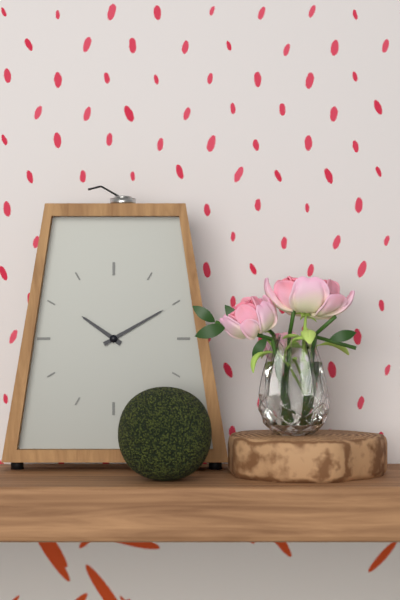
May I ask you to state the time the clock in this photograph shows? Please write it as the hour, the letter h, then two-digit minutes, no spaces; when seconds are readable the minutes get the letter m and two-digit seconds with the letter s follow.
10h10
